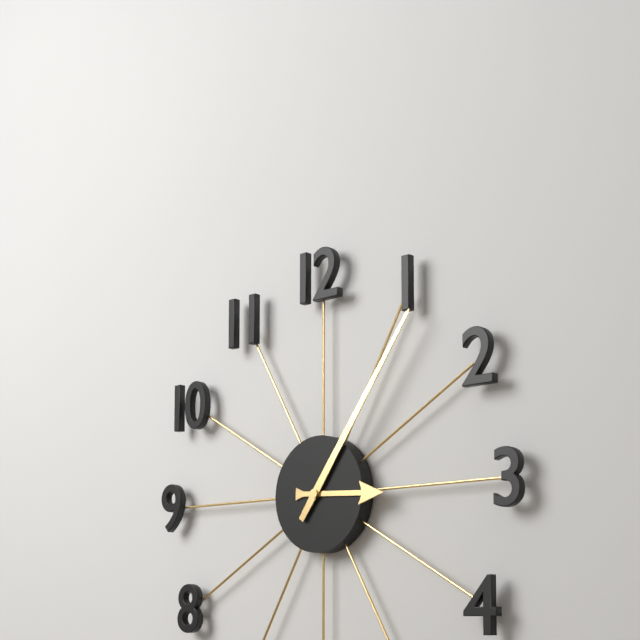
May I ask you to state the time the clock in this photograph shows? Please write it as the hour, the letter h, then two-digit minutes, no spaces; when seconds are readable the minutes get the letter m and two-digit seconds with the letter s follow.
3h06
